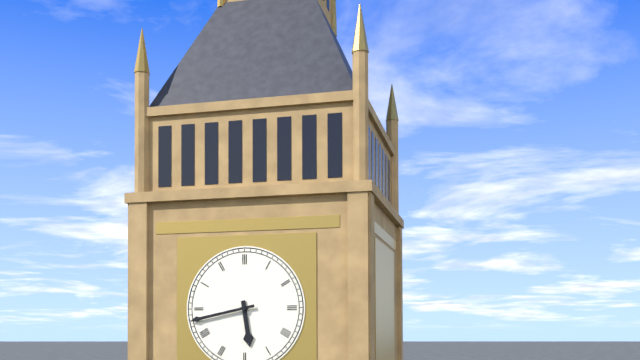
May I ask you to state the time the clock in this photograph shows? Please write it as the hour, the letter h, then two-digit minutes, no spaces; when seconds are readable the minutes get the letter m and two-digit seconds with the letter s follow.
5h43
